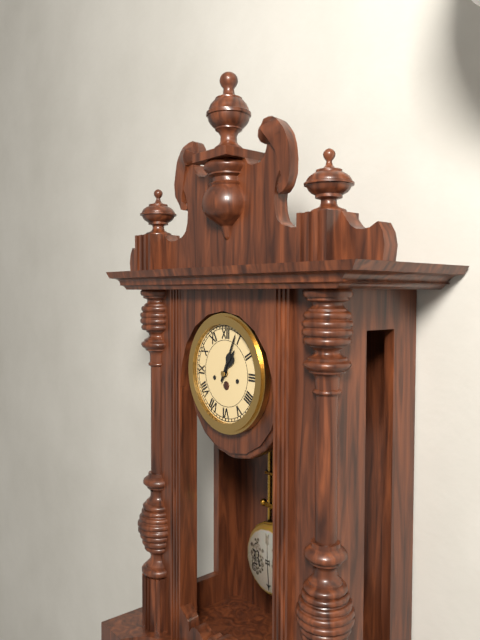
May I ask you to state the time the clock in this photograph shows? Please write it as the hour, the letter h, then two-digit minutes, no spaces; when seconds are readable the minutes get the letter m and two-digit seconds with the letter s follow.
1h04
